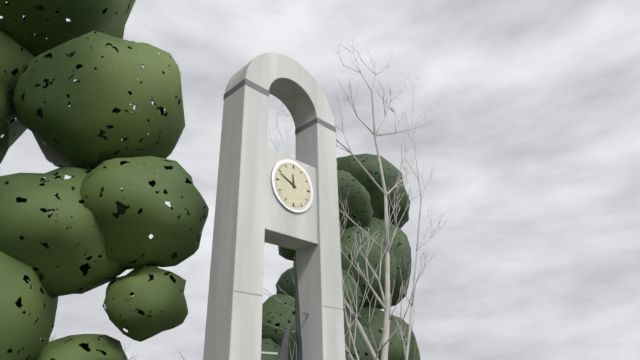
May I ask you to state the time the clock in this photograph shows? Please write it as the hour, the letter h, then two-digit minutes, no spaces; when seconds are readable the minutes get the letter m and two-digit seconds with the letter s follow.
11h49
